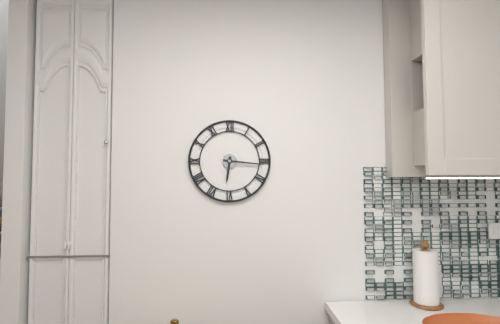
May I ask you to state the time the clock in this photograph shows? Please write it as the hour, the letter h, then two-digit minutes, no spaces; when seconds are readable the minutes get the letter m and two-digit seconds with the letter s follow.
6h16
